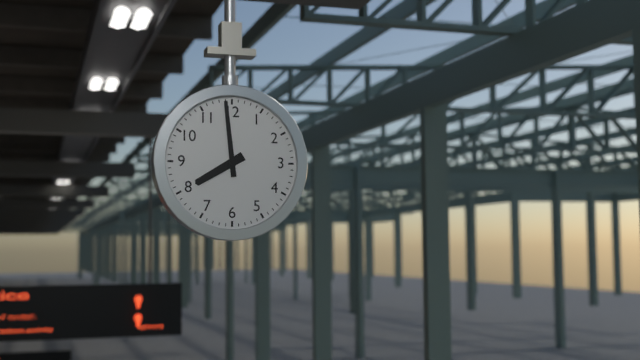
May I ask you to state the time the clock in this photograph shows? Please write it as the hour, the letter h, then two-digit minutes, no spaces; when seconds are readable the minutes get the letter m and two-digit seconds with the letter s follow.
7h59
